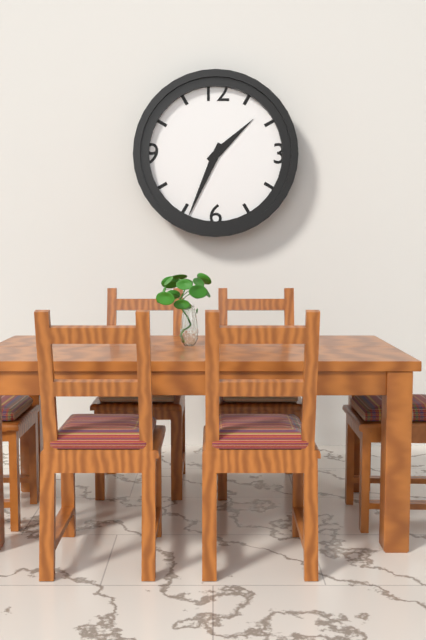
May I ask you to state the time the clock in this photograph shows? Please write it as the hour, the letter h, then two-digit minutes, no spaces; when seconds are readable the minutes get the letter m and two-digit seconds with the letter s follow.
1h34
